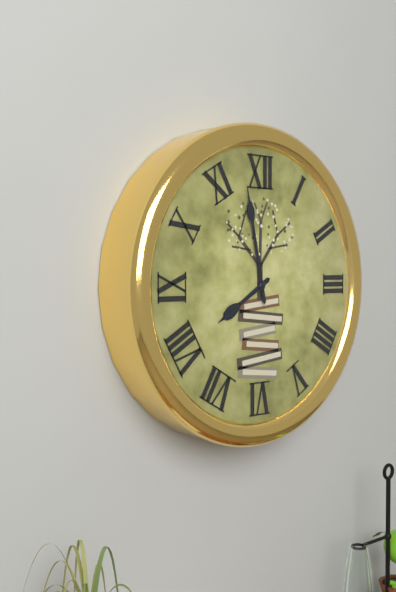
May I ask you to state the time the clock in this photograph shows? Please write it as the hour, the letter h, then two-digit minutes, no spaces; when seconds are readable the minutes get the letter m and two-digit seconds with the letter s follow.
7h58
